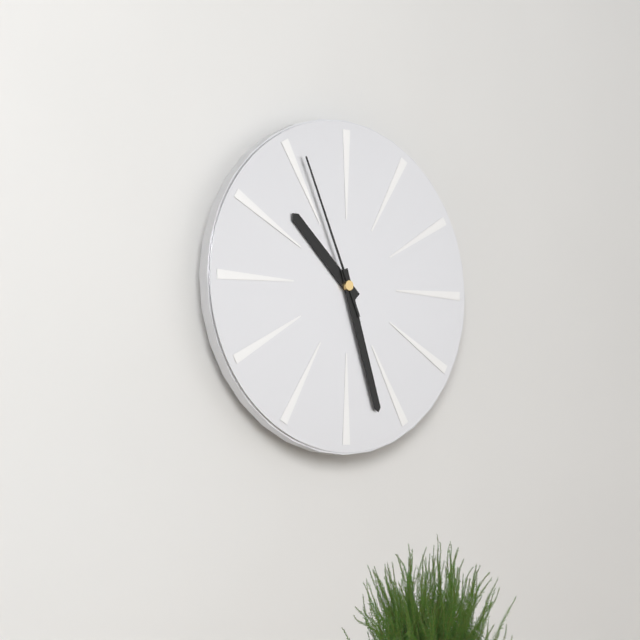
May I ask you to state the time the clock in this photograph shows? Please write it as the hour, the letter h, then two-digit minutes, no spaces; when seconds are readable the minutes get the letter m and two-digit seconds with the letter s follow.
10h27m56s
